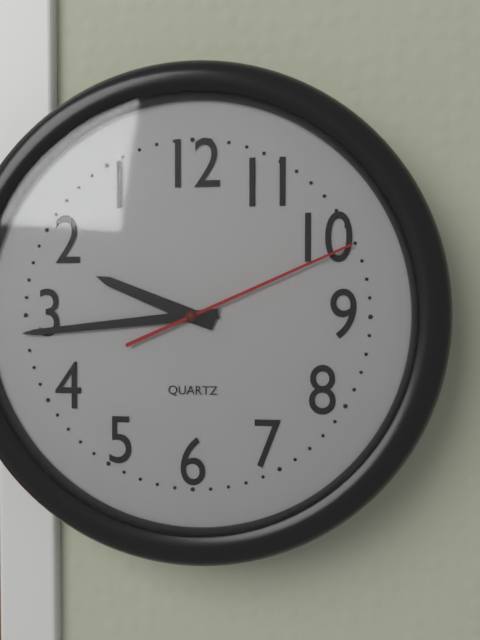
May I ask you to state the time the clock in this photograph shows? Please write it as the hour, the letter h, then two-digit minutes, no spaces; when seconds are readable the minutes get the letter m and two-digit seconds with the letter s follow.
9h44m11s
